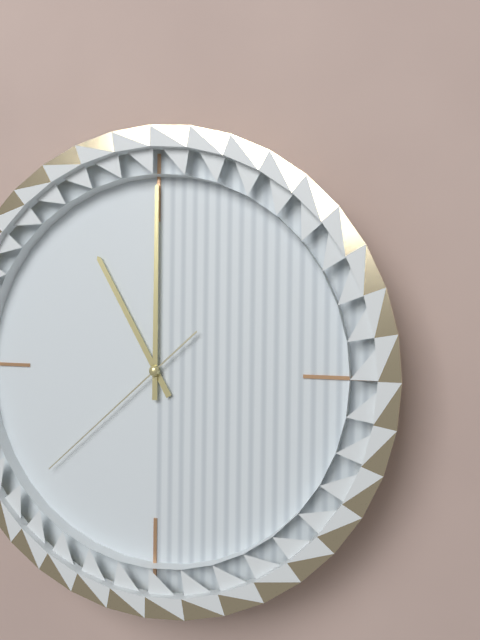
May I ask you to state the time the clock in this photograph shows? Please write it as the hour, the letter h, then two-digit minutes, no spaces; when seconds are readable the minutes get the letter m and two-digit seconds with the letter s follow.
11h00m38s
